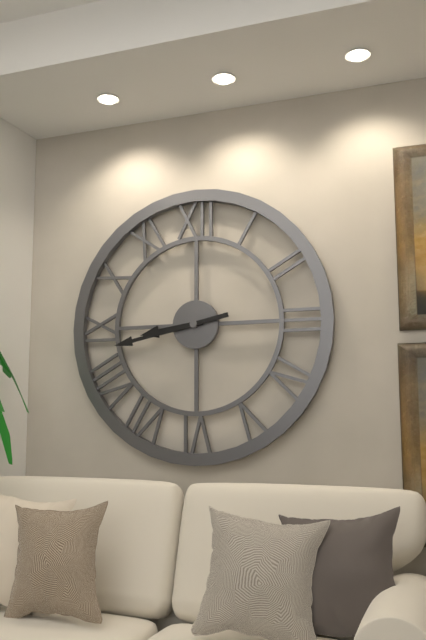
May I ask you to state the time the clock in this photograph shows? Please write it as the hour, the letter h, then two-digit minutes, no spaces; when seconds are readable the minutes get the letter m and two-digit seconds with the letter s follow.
8h43
